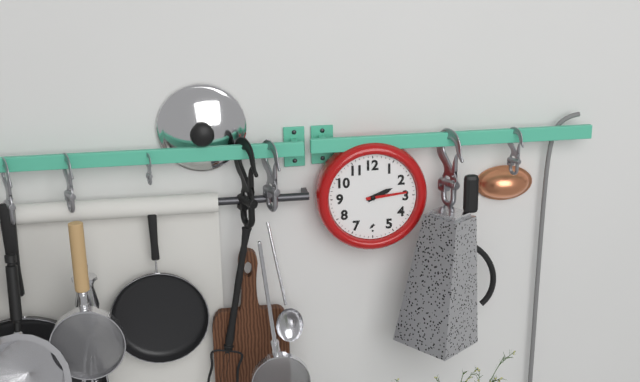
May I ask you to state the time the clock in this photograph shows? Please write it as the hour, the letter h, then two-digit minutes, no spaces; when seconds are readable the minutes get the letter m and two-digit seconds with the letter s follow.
2h14
